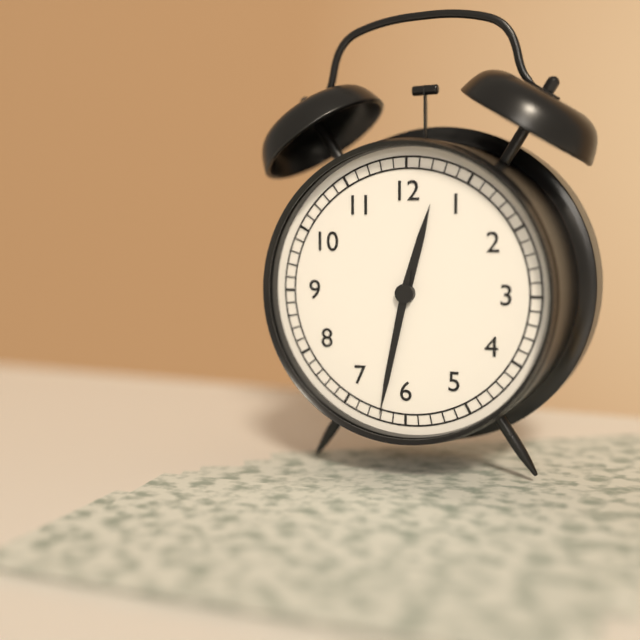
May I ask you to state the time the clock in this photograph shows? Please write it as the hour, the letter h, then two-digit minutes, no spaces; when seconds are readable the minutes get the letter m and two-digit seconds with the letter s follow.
12h32
